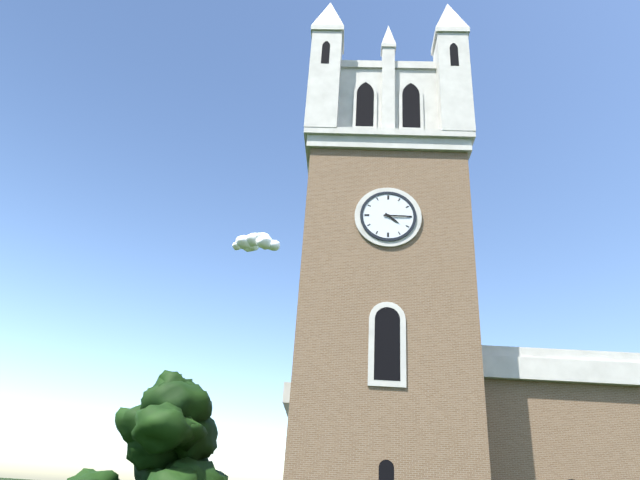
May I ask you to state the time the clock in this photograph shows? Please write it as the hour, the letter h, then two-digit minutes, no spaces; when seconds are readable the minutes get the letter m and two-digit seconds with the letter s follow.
4h15
